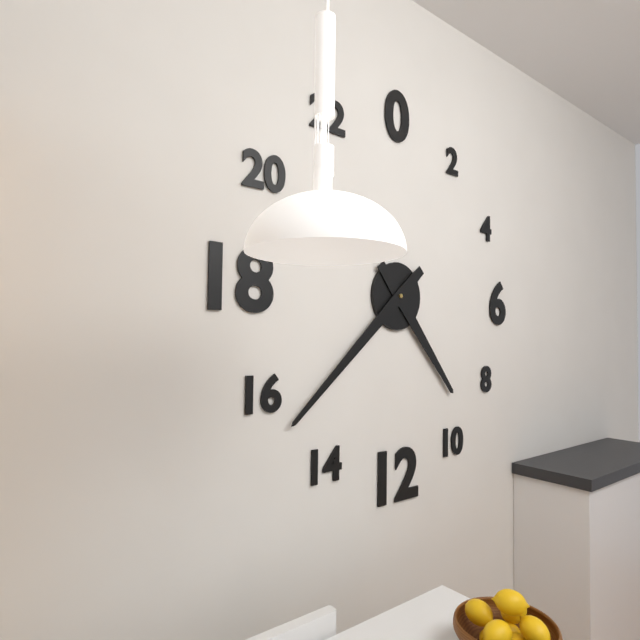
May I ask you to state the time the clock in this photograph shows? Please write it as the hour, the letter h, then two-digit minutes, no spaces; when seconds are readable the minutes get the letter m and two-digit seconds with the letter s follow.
4h38
